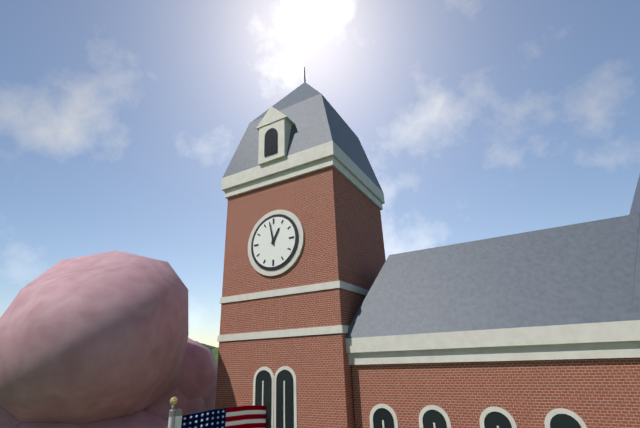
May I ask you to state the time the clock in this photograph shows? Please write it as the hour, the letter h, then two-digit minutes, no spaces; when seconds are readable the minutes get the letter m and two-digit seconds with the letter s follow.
12h58
